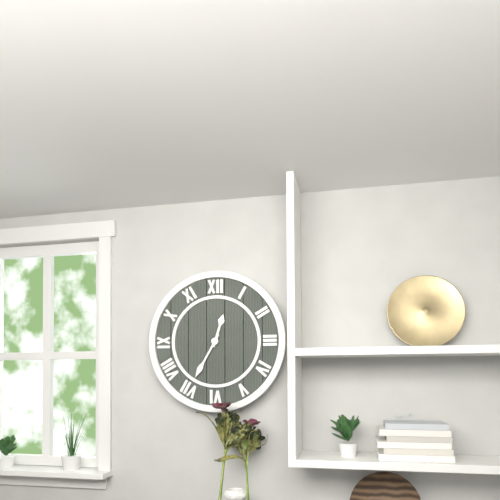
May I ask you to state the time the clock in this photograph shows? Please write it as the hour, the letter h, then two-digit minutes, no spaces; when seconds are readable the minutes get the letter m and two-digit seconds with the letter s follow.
12h35
